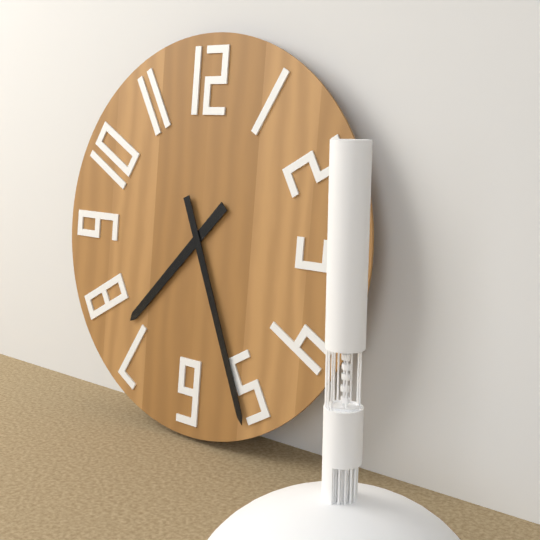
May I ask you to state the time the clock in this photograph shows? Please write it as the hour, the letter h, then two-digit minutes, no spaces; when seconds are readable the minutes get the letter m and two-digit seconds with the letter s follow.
7h26
